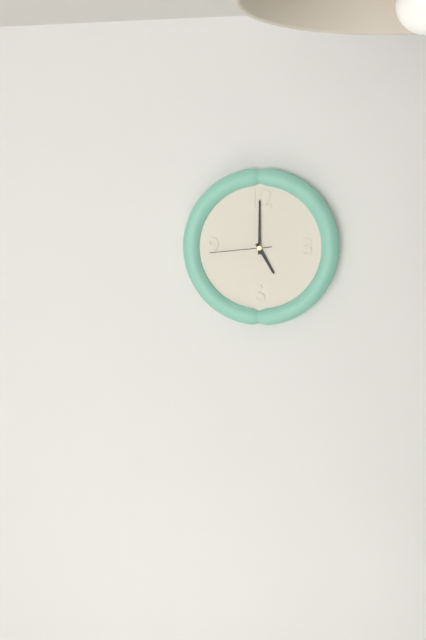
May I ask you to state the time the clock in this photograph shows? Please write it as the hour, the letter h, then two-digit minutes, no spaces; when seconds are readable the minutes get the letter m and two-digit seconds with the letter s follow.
5h00m44s
